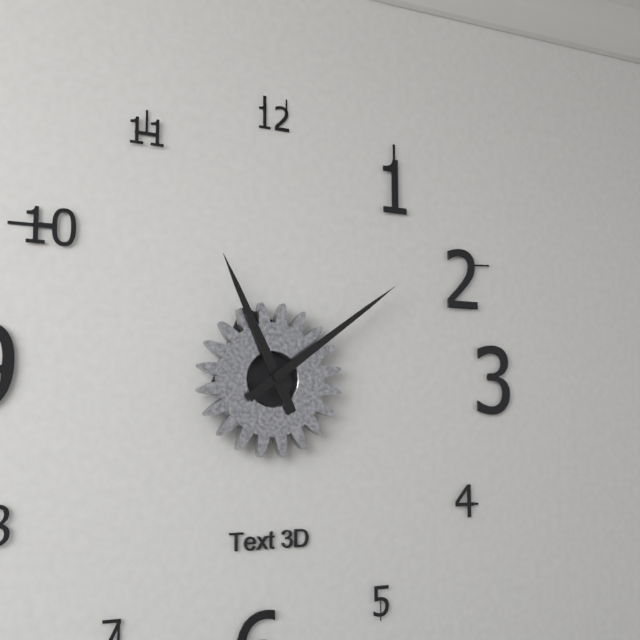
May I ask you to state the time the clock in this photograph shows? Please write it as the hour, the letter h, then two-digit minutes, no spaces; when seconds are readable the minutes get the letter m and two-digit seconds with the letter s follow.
11h09
